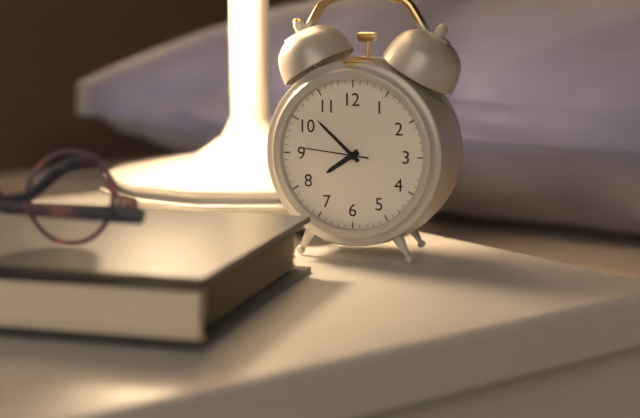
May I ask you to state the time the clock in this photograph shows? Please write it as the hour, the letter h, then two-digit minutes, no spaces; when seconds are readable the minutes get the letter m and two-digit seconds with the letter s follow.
7h52m46s
